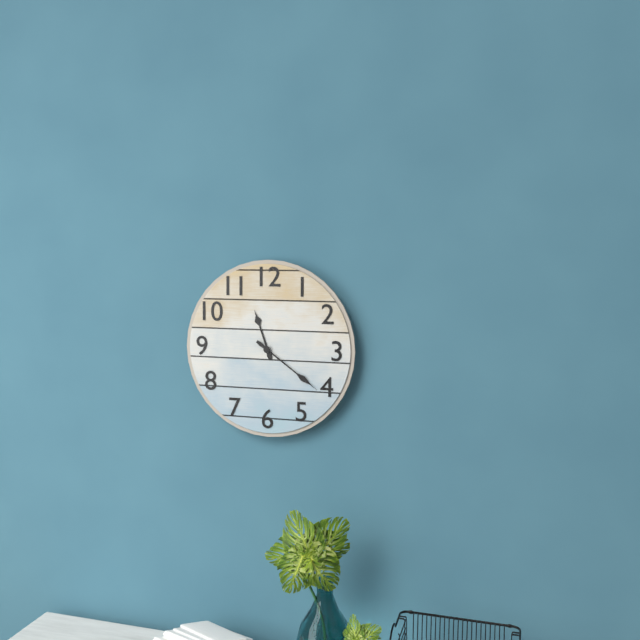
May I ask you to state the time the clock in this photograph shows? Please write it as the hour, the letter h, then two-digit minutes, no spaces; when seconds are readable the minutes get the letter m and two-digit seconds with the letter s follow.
11h21
